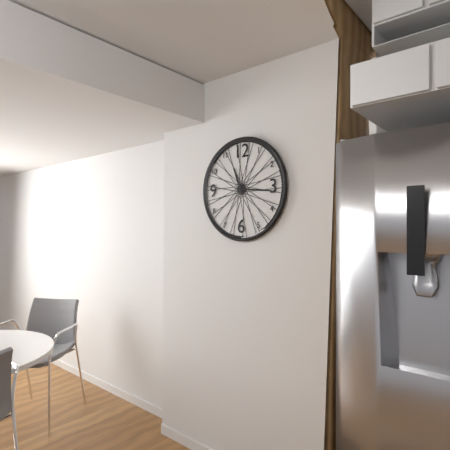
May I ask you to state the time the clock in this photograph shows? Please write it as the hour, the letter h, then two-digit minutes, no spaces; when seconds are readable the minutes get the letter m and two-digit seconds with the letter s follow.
11h16
